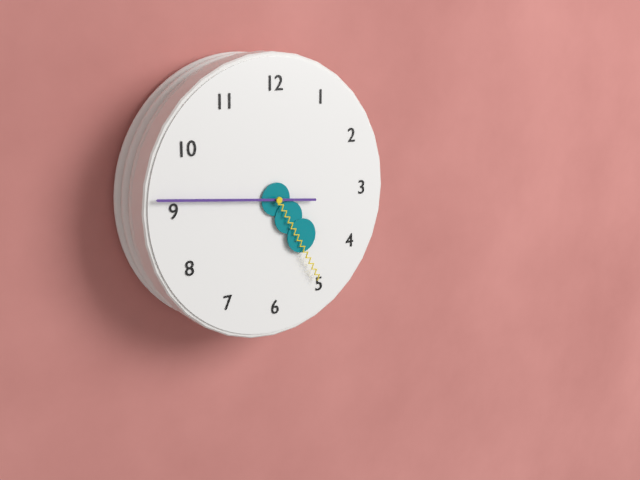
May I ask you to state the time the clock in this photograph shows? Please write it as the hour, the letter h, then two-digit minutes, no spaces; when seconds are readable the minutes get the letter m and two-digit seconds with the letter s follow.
4h46m25s
